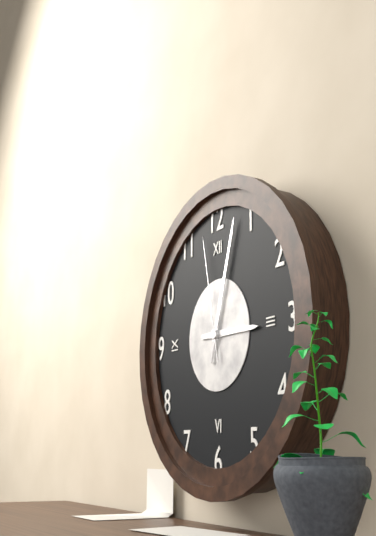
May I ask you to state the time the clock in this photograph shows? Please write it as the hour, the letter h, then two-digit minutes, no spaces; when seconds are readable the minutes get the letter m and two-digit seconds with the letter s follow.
3h03m58s
